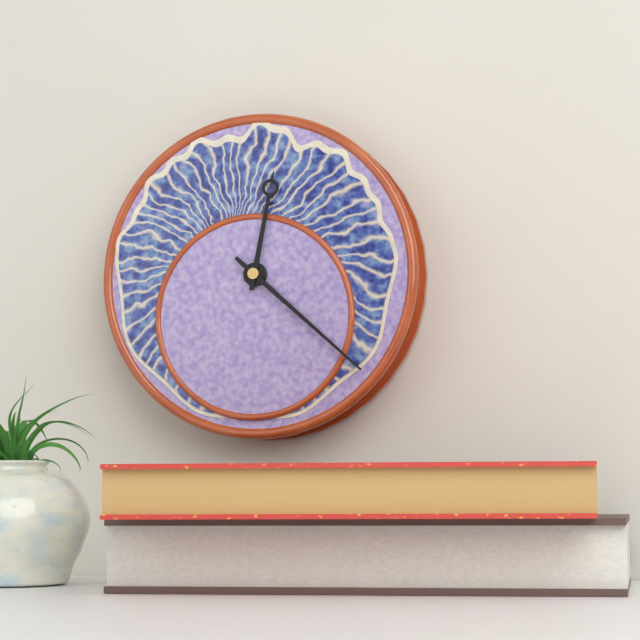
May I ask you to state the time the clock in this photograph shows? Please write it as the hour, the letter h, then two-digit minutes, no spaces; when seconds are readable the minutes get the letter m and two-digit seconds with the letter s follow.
12h22
